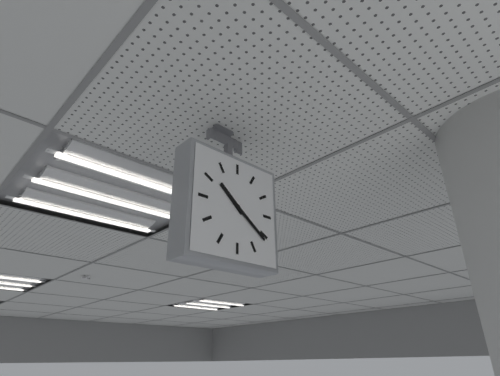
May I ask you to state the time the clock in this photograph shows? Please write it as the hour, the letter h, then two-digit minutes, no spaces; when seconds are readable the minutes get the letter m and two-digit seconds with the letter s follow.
10h21
